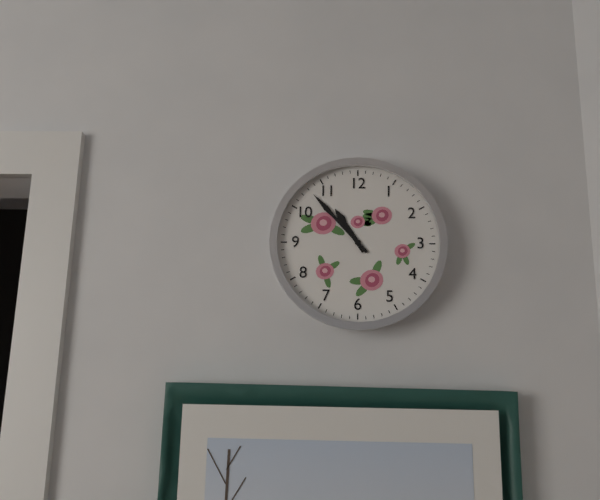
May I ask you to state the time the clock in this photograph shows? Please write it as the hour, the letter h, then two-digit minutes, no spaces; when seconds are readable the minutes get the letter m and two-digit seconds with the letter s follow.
10h53
